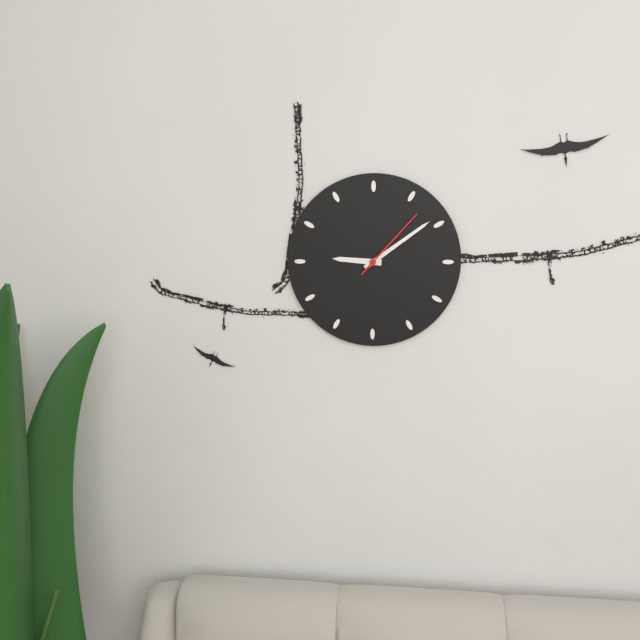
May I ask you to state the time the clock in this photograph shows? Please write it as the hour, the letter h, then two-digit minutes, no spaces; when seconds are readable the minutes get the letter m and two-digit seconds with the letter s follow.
9h09m07s
